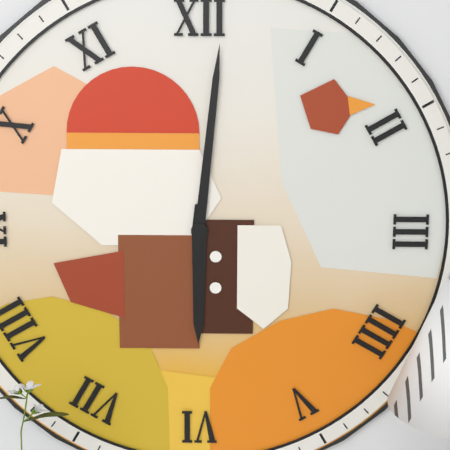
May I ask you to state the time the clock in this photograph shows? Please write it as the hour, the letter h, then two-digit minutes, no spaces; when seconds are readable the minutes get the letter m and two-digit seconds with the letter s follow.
6h01
